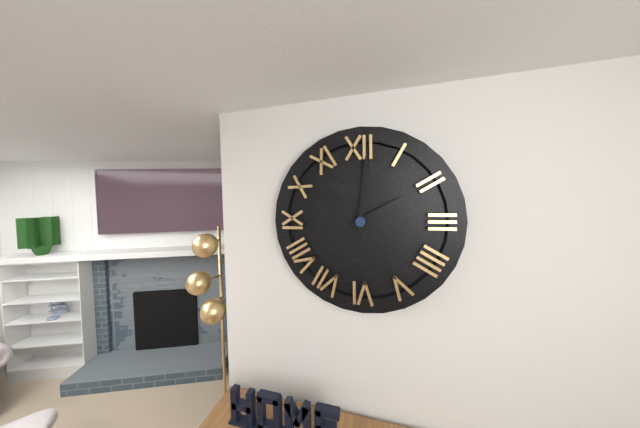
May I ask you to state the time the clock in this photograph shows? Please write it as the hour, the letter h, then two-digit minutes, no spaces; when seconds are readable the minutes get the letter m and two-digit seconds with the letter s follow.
2h01
